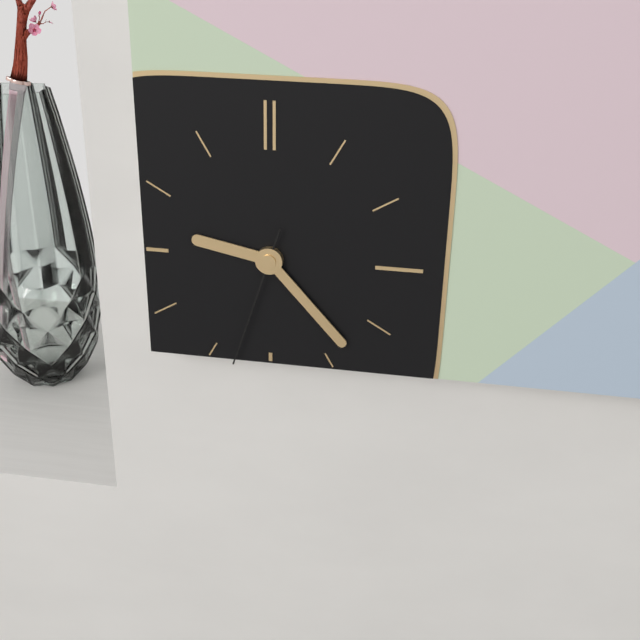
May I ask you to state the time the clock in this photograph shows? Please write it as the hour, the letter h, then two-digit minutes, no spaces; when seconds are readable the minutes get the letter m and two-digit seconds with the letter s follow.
9h23m33s
